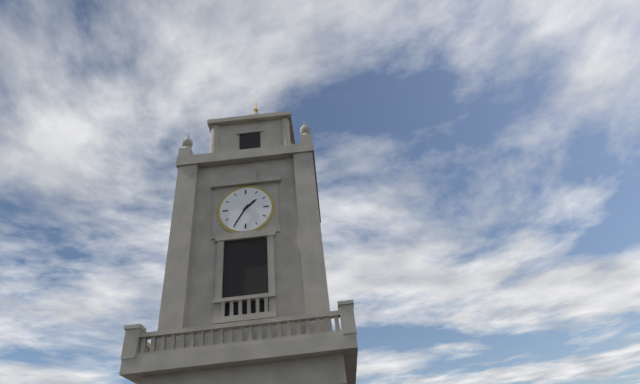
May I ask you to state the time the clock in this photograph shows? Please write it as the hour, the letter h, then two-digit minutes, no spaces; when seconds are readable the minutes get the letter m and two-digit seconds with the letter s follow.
1h35
